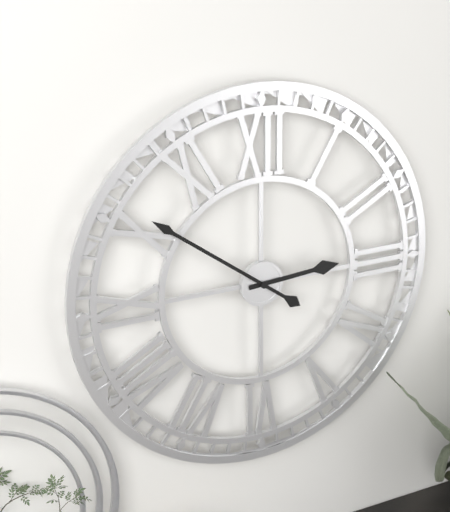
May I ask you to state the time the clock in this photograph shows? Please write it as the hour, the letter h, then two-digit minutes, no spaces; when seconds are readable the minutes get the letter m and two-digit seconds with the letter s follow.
2h51
